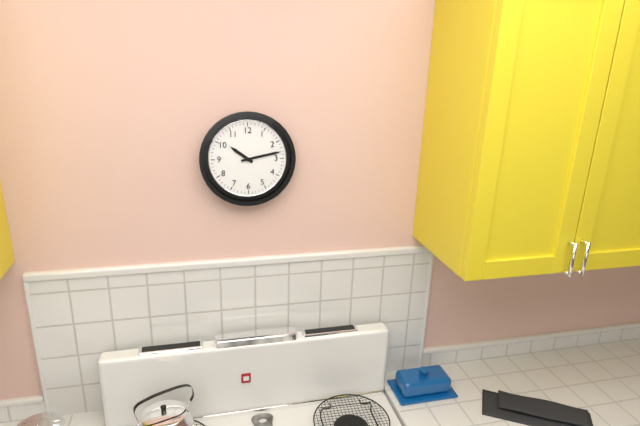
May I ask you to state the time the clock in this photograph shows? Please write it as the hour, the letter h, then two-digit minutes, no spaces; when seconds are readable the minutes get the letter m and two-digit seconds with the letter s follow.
10h13
